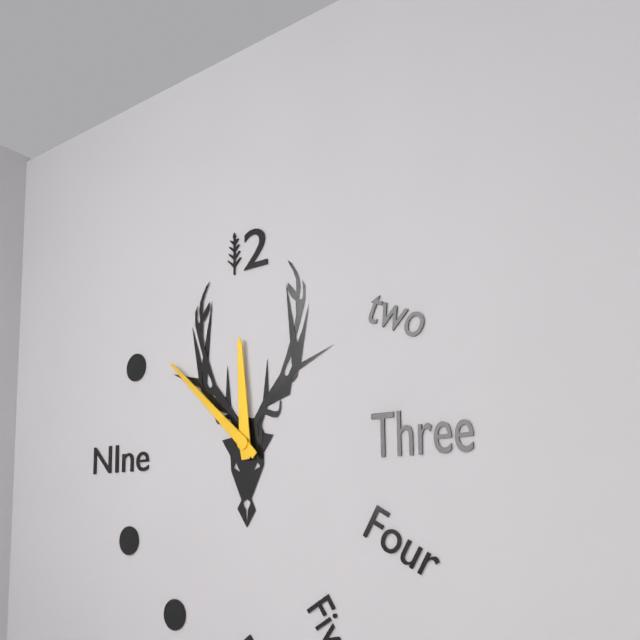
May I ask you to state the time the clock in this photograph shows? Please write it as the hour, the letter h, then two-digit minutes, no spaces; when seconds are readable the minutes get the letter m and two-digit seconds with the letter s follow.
11h52
